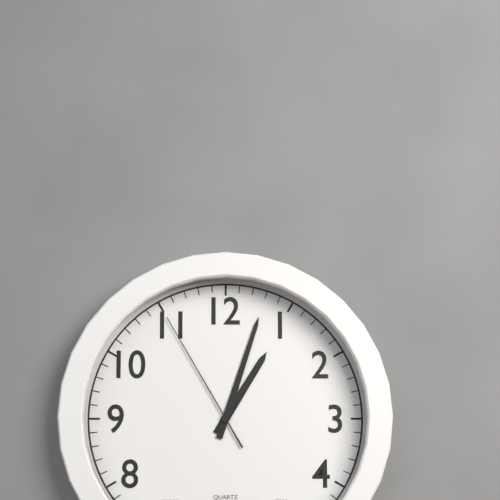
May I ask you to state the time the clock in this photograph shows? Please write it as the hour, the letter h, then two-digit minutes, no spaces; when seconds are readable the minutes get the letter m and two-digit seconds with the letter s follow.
1h03m55s
